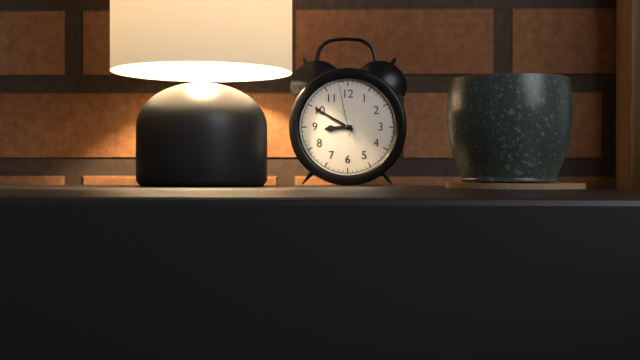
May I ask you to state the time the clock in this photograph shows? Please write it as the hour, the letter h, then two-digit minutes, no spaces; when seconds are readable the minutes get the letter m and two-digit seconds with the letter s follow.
8h50m58s
